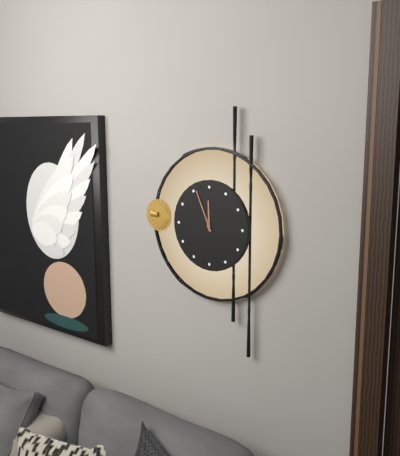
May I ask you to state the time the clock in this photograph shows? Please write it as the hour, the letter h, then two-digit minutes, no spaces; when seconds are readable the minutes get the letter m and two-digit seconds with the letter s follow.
11h56
